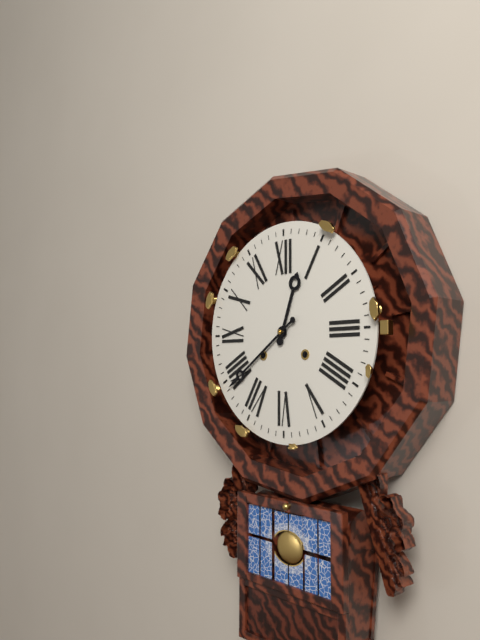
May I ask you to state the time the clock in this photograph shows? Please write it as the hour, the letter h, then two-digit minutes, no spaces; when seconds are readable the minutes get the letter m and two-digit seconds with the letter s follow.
12h39
